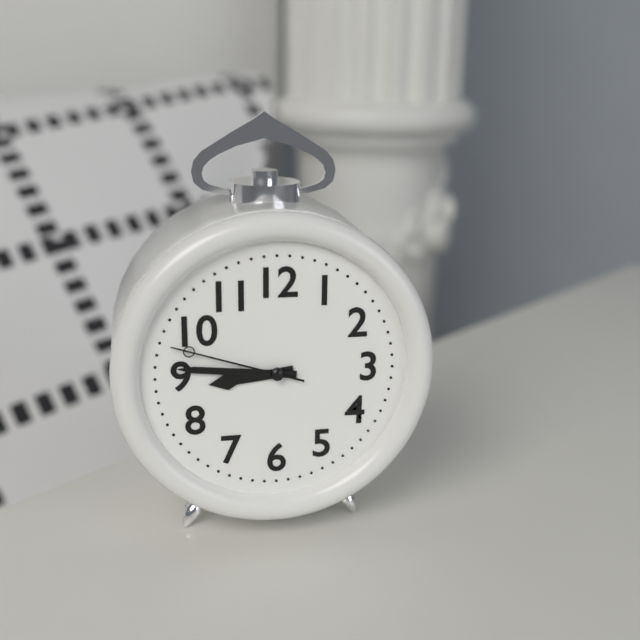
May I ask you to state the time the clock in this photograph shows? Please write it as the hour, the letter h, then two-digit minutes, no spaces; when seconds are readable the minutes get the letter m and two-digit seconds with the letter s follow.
8h46m48s
